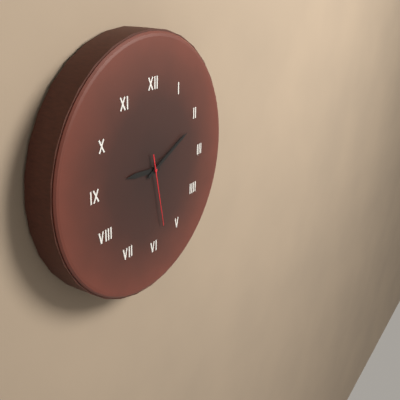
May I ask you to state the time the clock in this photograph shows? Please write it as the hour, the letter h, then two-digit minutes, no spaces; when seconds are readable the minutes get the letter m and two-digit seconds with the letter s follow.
9h11m28s
